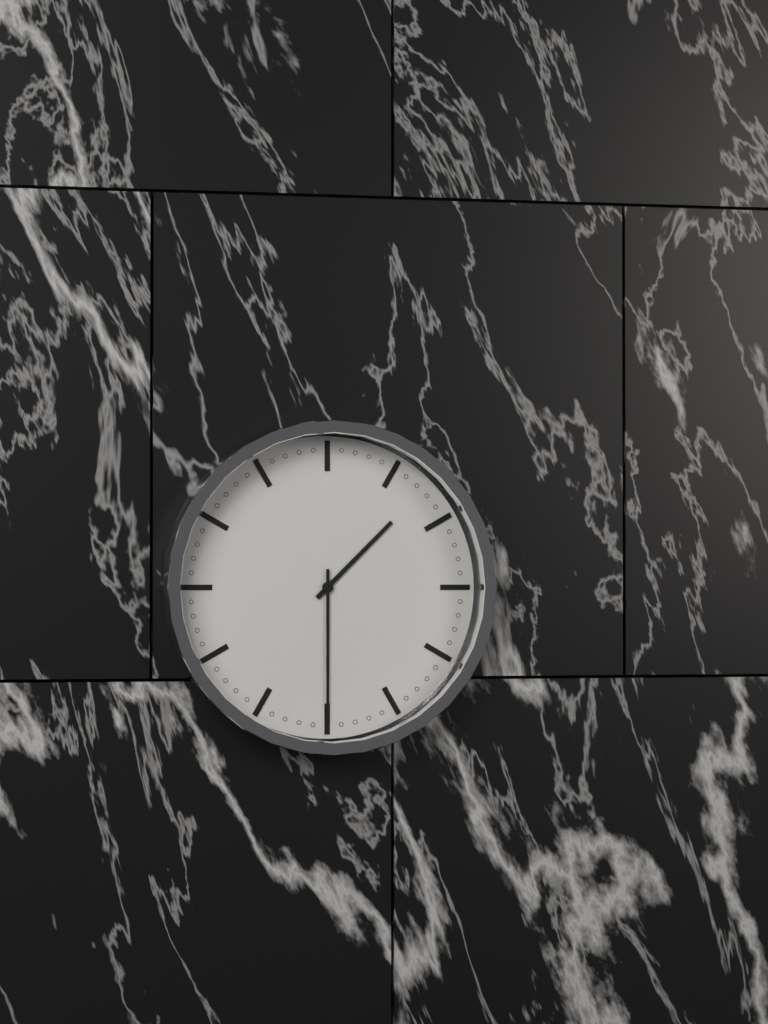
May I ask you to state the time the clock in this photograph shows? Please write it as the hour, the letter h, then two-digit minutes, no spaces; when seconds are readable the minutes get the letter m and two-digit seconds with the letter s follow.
1h30
